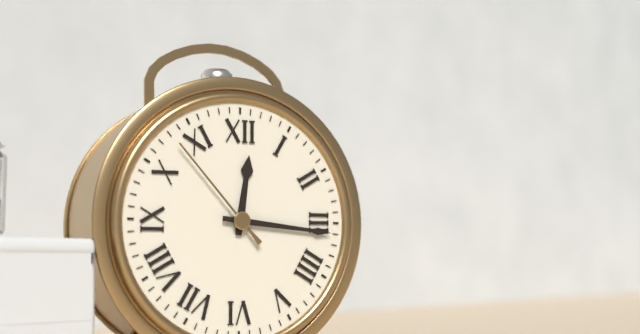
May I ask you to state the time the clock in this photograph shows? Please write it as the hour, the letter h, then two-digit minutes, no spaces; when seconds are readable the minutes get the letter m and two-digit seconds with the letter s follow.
12h16m53s
